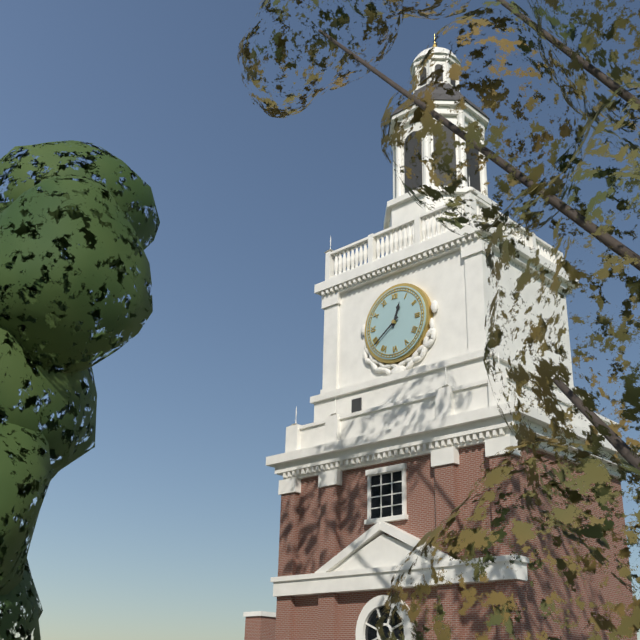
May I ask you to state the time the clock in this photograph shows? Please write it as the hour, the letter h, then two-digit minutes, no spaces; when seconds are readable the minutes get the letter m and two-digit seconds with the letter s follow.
12h39
